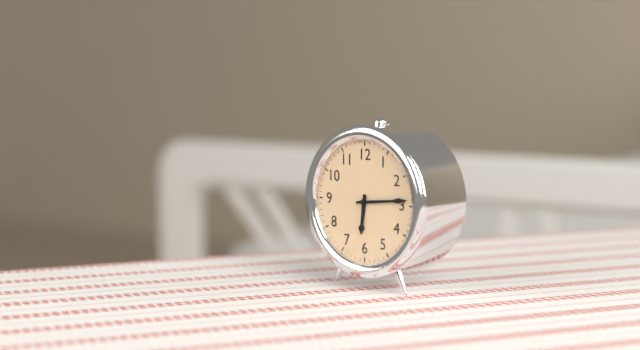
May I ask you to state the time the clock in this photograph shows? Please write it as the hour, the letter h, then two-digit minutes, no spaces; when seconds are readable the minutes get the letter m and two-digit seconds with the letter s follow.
6h14
